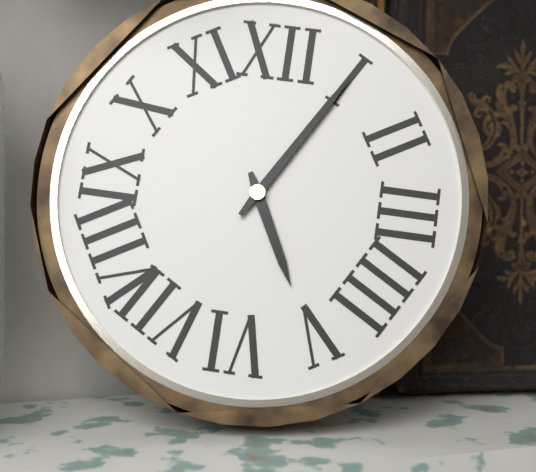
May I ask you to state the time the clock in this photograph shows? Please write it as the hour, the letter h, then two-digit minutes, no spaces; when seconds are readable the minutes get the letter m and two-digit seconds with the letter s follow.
5h05
